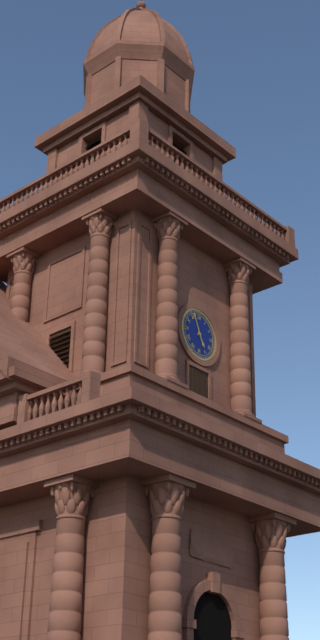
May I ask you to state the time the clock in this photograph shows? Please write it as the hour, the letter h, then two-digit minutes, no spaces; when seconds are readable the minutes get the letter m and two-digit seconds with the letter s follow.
4h56
